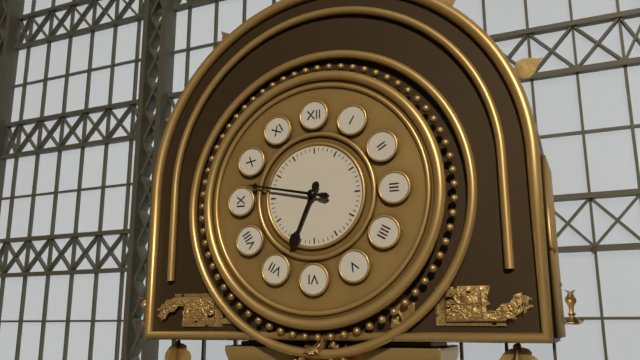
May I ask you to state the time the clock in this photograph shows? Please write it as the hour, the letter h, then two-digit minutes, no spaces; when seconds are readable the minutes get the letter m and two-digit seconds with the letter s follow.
6h47
